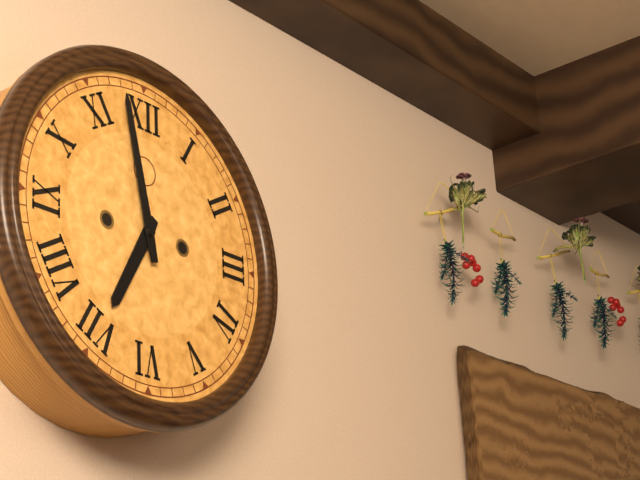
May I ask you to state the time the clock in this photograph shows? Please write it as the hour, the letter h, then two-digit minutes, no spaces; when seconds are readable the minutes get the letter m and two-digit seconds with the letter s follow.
6h58
